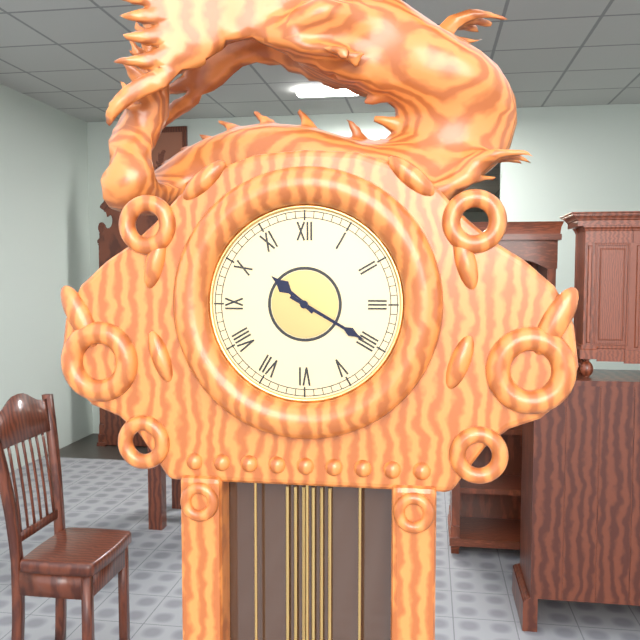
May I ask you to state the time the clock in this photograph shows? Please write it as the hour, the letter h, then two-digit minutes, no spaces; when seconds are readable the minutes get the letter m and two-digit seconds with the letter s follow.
10h20
